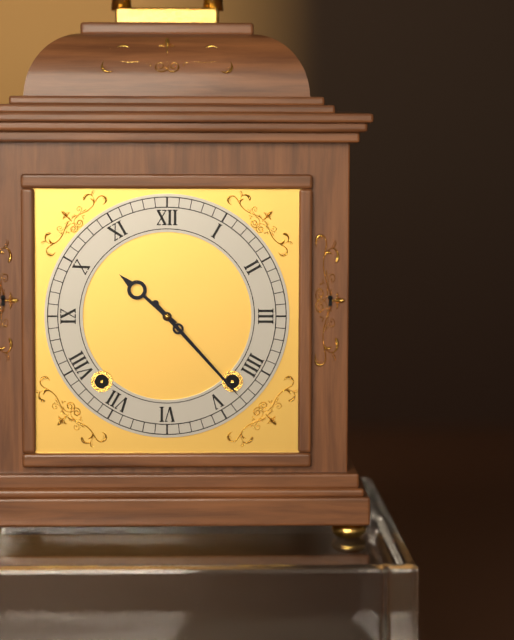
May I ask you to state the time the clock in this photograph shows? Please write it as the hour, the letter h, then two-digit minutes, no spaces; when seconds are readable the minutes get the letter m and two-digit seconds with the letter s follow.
10h23
